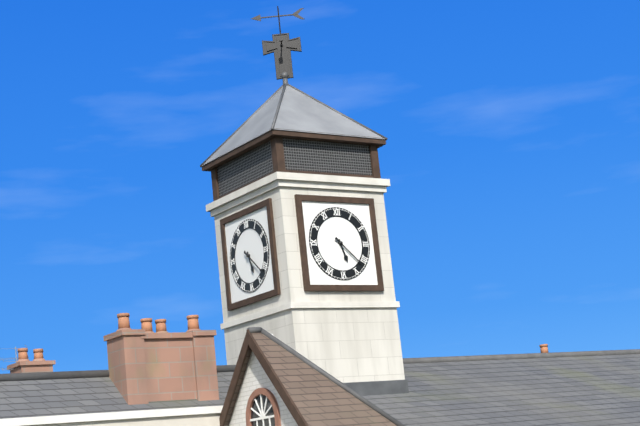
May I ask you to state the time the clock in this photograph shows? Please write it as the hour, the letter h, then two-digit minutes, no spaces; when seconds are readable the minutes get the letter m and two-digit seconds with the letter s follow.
5h22
